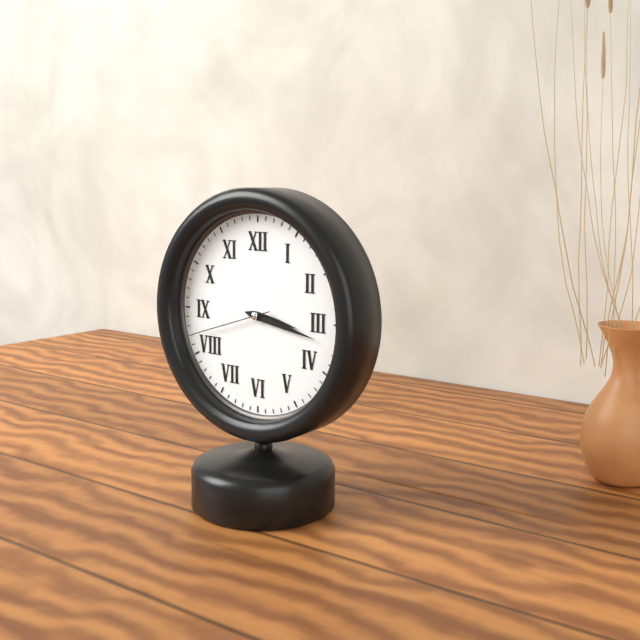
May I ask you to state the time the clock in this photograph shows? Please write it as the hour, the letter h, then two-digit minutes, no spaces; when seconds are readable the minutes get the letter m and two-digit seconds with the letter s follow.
3h17m42s
